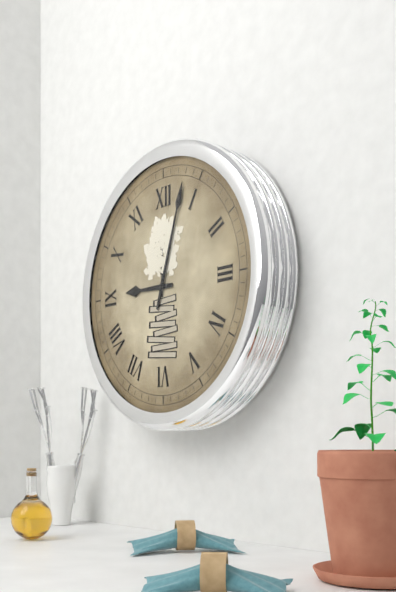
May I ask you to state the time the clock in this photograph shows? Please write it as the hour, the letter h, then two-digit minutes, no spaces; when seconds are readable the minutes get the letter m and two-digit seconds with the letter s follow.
9h03
